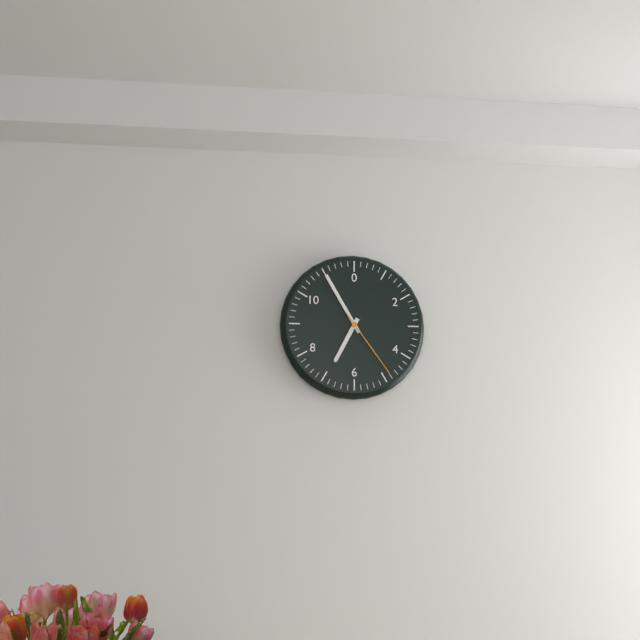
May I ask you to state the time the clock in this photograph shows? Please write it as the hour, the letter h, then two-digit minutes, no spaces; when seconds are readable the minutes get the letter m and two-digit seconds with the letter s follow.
6h55m24s
